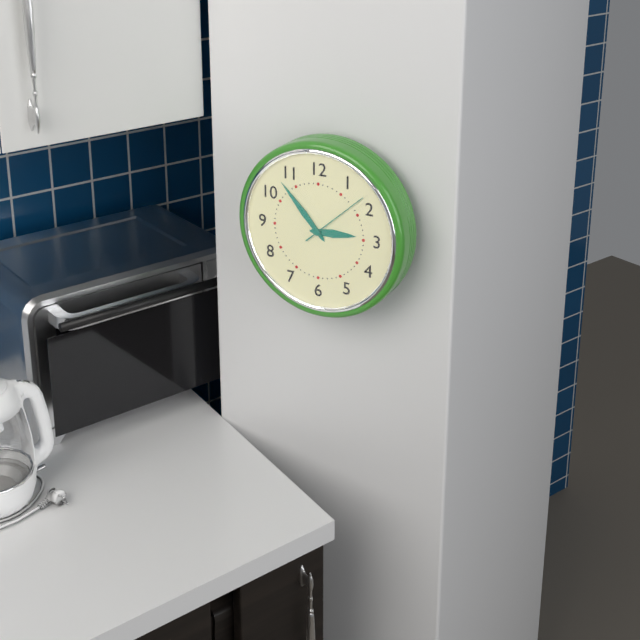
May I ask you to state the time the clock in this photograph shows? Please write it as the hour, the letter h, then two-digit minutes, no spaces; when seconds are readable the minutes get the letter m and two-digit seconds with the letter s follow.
2h53m08s
